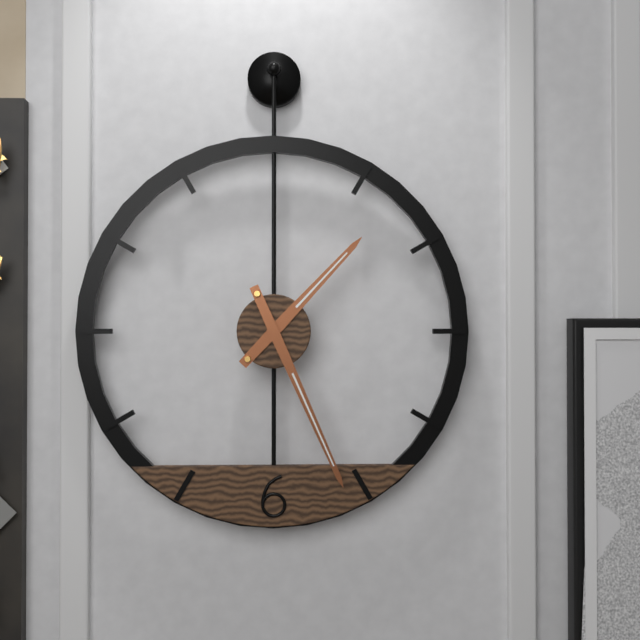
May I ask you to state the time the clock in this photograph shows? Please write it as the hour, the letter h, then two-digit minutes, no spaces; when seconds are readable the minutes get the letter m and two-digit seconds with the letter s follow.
1h26
